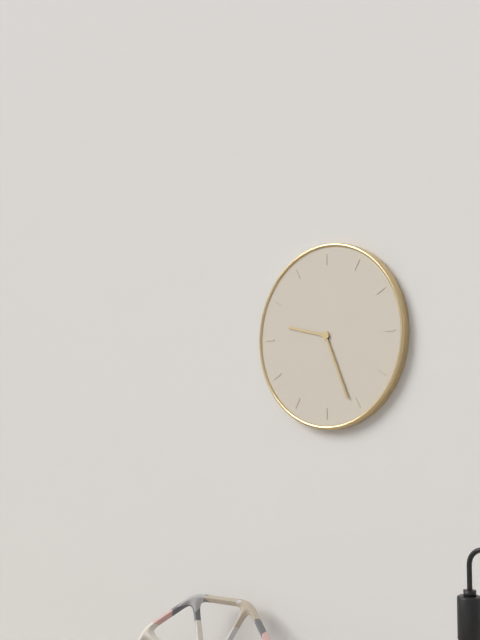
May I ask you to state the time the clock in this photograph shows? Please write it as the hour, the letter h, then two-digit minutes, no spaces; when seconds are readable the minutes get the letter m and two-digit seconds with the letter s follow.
9h26
